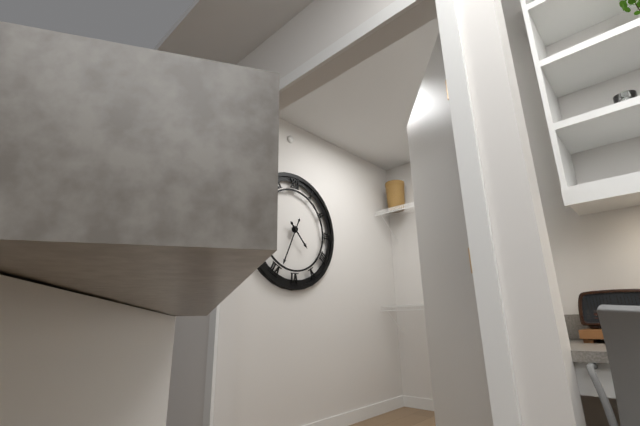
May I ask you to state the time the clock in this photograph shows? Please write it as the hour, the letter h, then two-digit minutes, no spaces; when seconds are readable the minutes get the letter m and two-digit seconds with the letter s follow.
4h34
